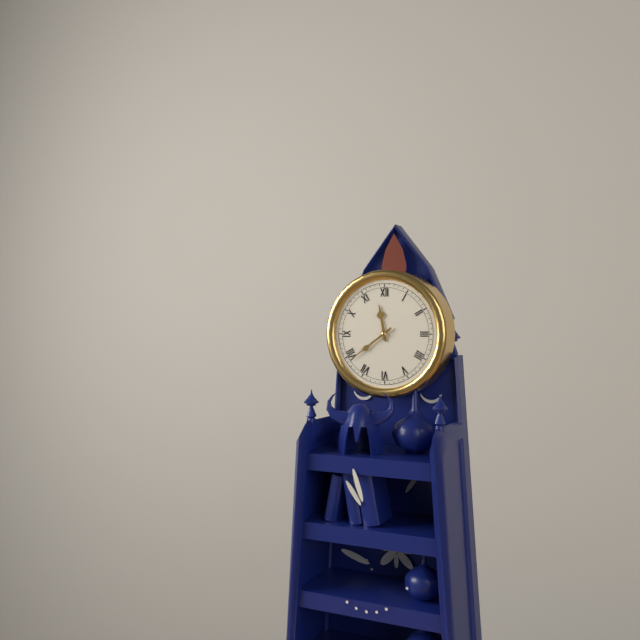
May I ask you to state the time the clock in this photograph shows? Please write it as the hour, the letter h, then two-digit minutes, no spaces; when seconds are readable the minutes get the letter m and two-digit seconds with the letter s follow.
11h39
